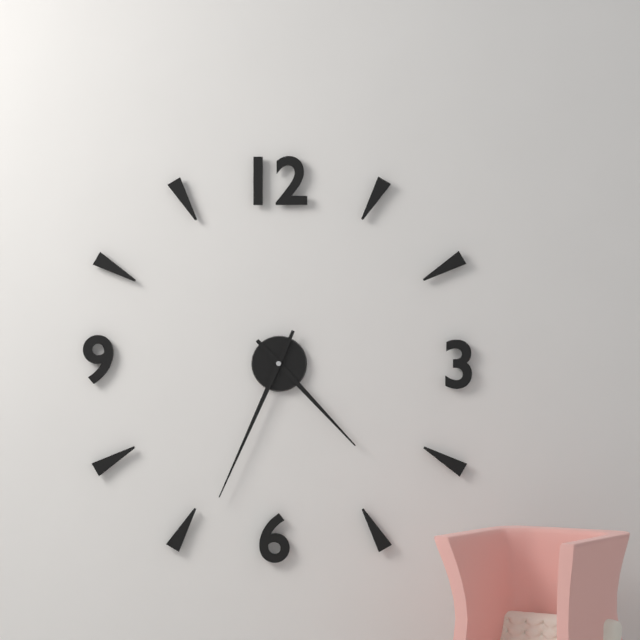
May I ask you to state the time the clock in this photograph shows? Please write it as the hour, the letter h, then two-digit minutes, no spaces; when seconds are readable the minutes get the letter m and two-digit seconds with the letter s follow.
4h34
